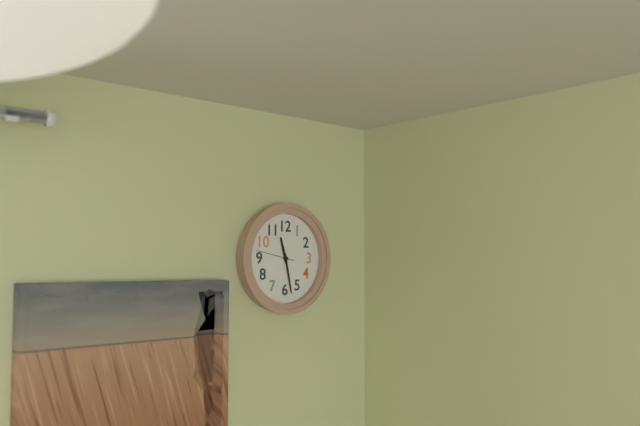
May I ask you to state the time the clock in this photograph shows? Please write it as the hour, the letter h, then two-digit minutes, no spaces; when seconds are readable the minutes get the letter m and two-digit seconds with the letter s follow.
11h28
